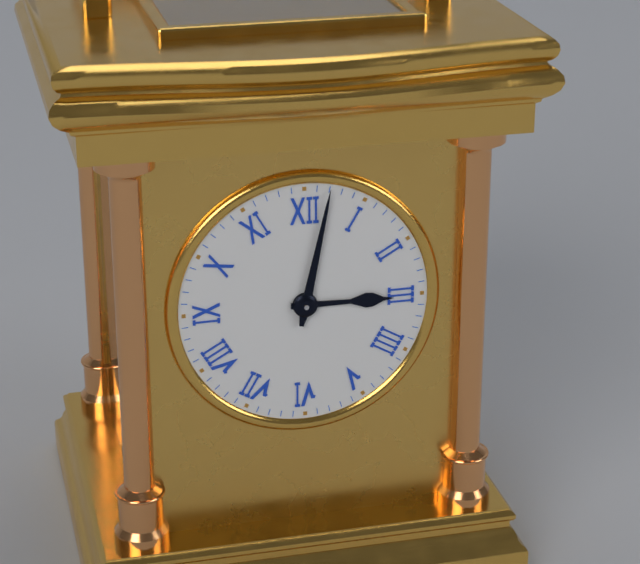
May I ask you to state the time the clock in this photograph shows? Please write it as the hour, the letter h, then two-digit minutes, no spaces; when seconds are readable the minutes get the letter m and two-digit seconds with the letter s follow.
3h02
